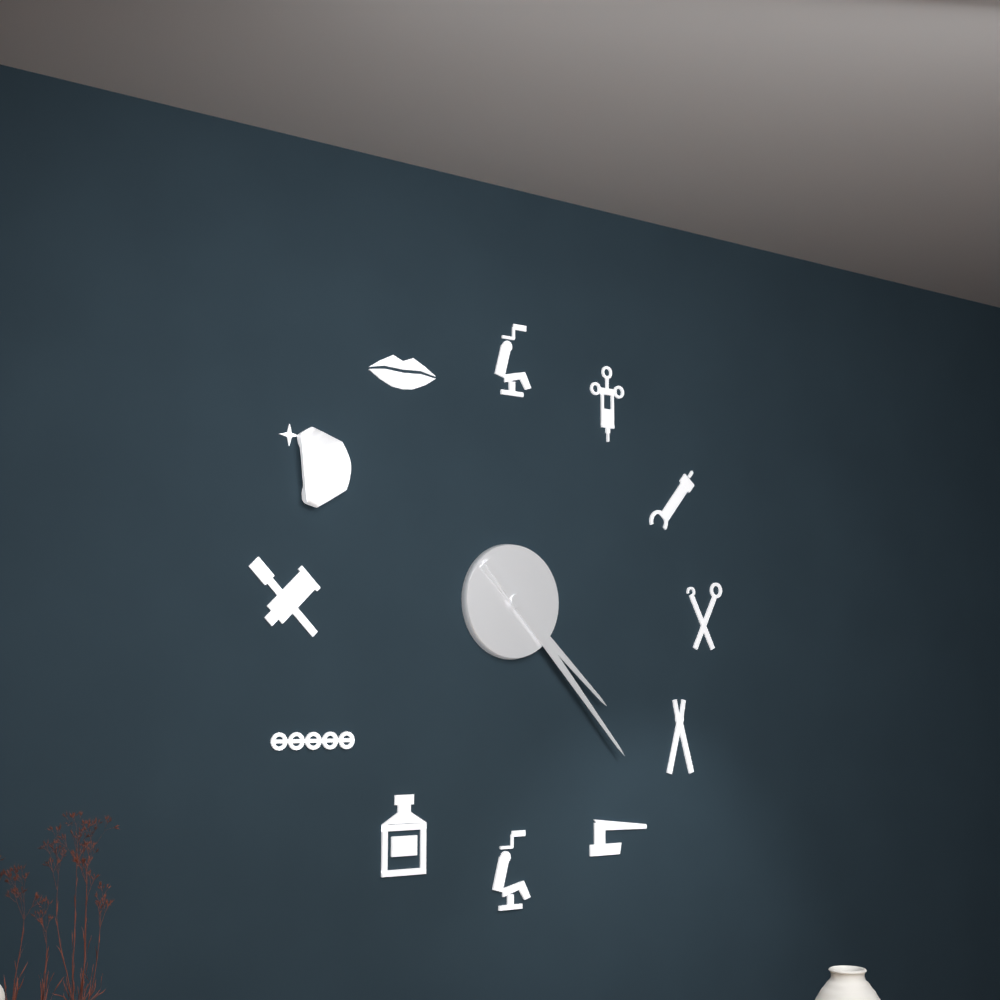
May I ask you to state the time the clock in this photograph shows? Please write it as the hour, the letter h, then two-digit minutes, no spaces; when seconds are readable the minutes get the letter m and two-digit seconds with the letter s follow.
4h23
